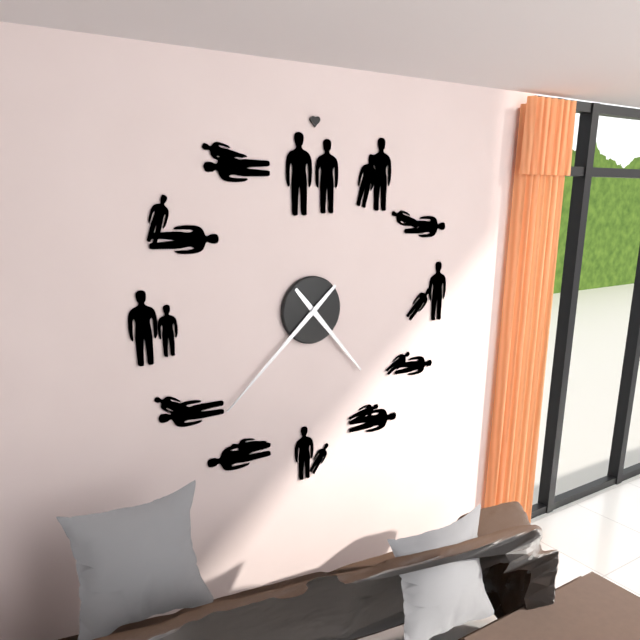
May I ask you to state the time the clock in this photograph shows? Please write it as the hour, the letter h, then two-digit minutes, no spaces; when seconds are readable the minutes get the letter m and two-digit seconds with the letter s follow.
4h38
